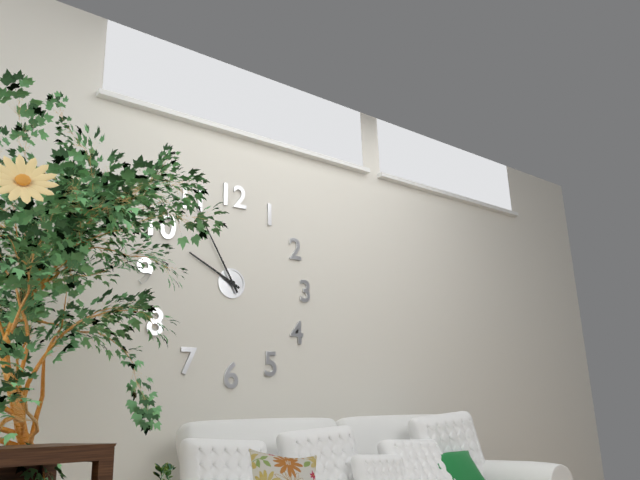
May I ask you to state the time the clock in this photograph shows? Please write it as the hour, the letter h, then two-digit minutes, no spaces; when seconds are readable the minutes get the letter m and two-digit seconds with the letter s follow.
9h55
